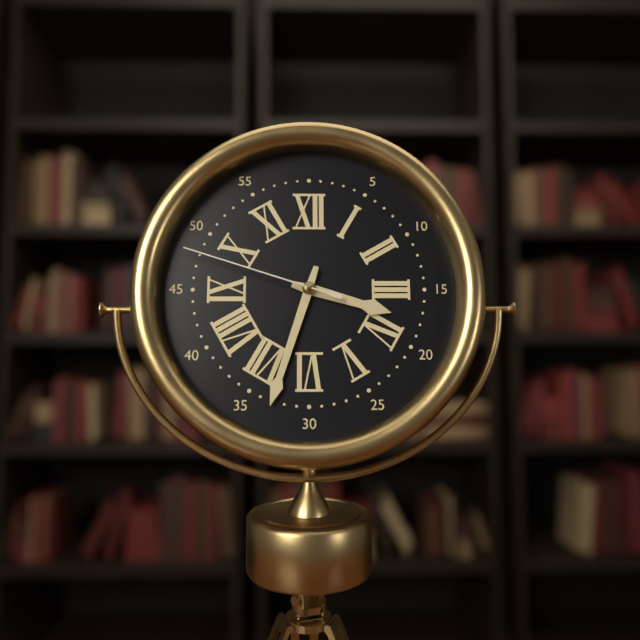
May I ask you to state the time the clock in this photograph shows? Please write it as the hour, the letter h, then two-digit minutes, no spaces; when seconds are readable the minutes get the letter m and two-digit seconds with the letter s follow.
3h33m48s
